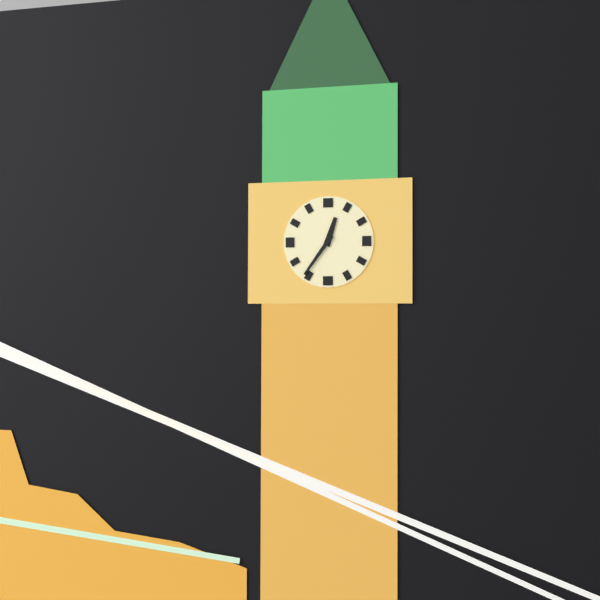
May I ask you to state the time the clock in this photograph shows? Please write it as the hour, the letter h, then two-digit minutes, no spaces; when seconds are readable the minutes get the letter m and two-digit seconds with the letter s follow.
12h36
